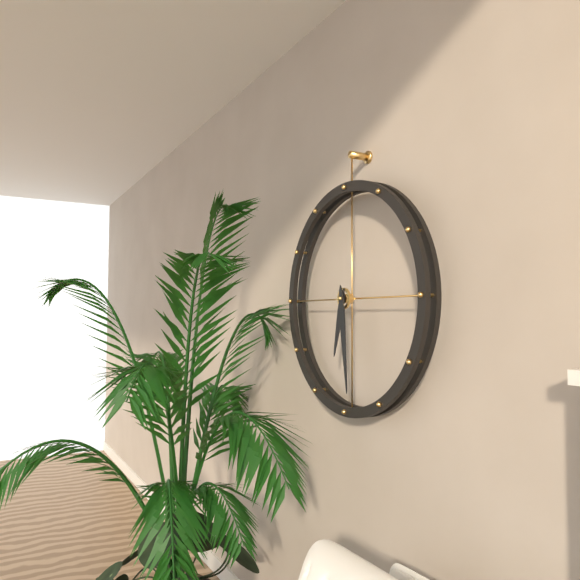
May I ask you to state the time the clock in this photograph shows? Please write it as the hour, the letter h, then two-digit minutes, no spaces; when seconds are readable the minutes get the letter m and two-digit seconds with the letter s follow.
6h29
